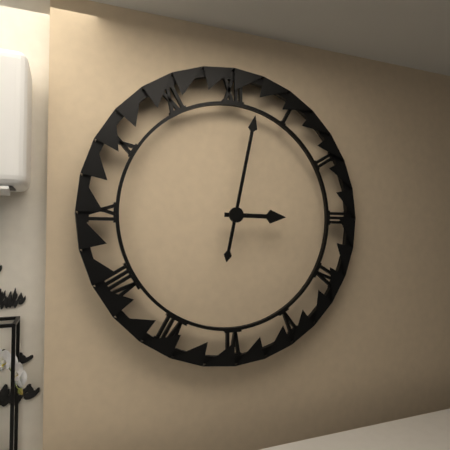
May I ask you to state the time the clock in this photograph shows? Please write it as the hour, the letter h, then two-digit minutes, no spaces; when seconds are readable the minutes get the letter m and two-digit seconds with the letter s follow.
3h02
